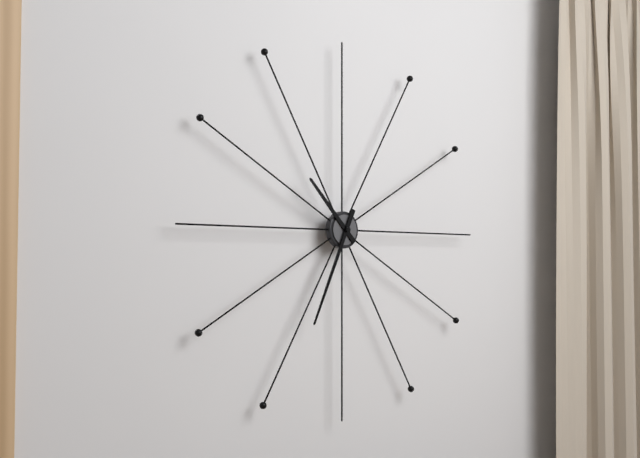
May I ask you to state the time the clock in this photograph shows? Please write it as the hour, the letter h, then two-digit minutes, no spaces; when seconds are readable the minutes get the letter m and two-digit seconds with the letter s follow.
10h34
